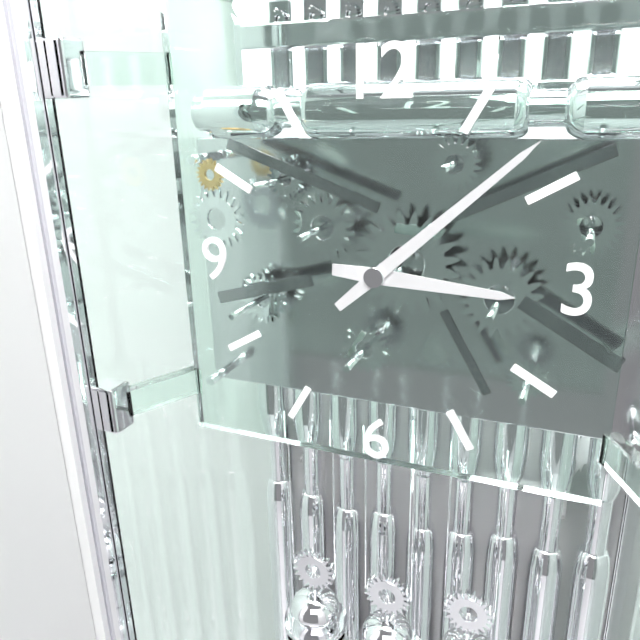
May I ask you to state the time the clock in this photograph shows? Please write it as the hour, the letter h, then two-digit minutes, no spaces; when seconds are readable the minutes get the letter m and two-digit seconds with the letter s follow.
3h08
